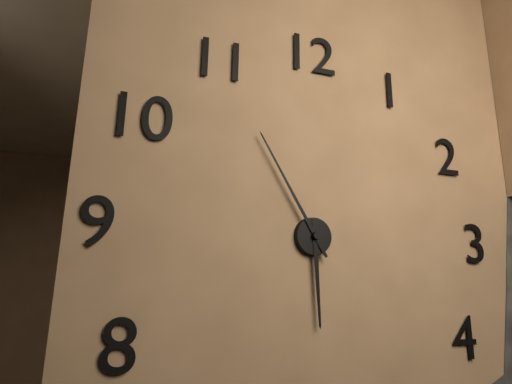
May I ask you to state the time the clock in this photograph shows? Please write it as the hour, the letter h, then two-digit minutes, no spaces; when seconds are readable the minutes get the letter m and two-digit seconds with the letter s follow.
5h55
